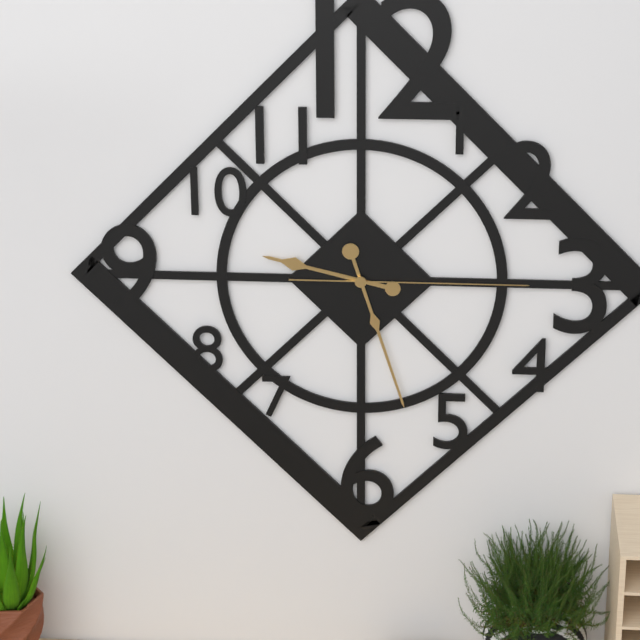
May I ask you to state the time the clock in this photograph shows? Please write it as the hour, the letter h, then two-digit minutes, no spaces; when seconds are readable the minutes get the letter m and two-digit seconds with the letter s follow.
9h27m15s
